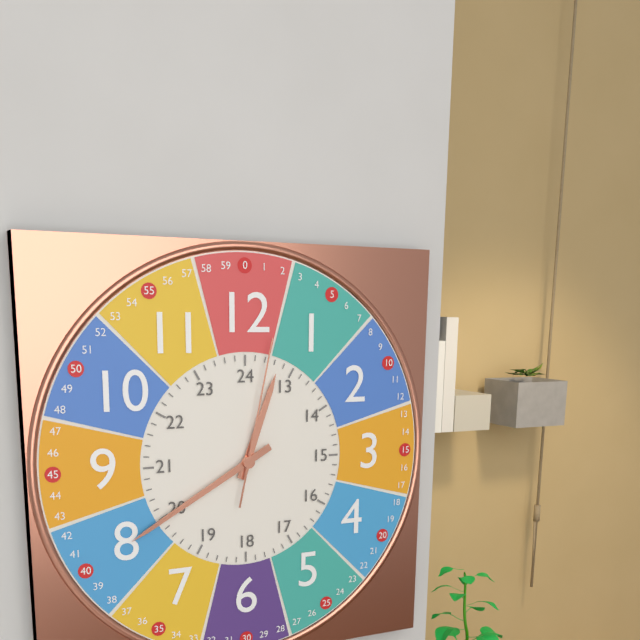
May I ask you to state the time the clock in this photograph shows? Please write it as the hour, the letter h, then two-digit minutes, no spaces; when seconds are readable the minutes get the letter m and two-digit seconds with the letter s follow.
12h40m02s
